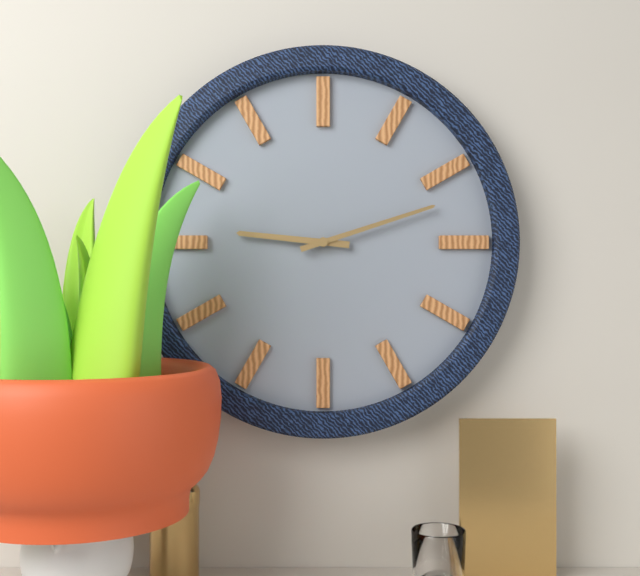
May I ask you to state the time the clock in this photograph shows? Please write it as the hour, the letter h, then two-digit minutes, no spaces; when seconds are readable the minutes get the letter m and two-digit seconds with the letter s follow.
9h12
